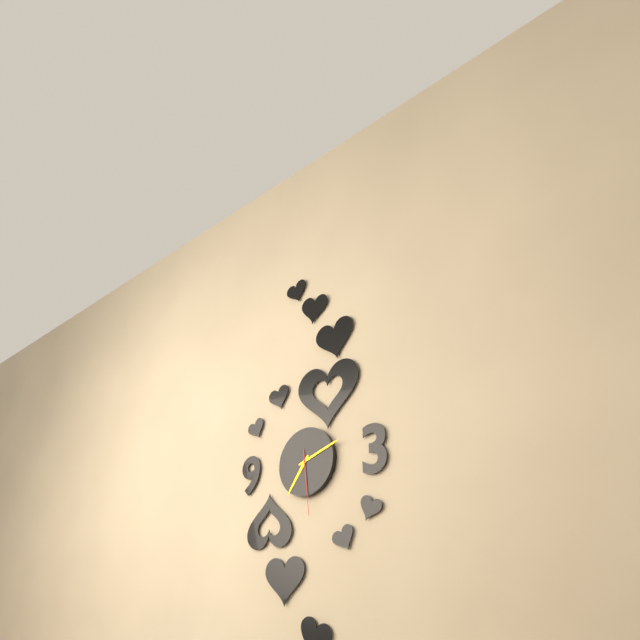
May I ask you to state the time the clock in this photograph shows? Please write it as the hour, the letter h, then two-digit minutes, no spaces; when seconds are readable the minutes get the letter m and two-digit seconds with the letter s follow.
7h12m29s
